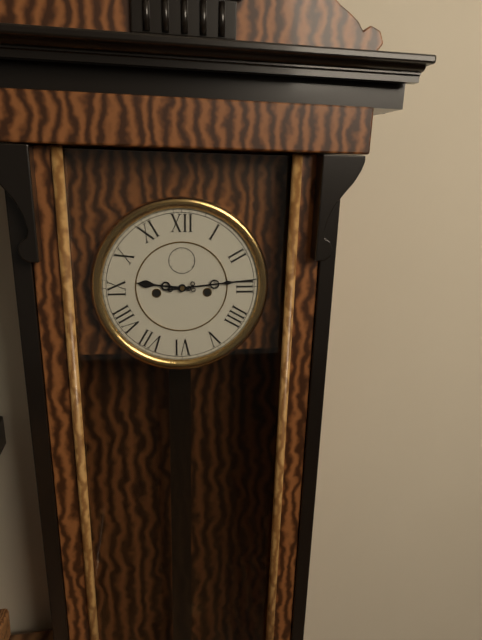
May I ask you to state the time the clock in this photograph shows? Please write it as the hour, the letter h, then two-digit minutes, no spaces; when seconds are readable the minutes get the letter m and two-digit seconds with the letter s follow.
9h14
